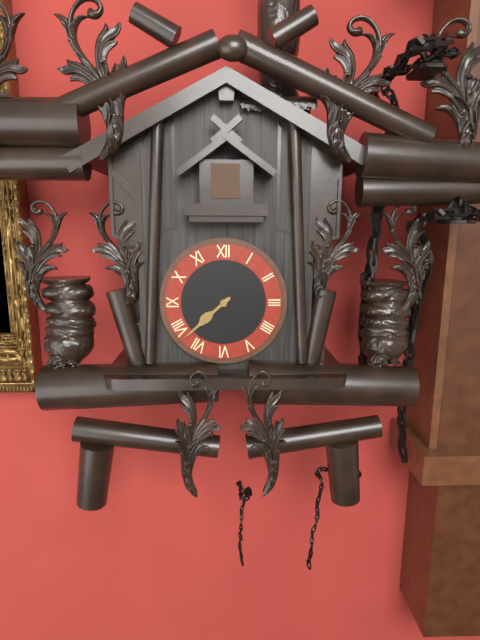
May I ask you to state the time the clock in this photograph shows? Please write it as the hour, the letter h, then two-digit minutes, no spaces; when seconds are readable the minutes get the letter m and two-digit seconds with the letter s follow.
7h38
